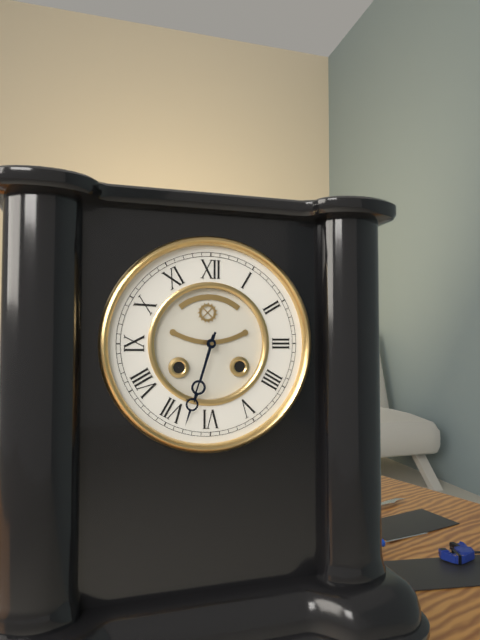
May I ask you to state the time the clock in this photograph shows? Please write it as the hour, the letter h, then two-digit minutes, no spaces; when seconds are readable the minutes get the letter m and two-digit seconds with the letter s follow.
6h33
